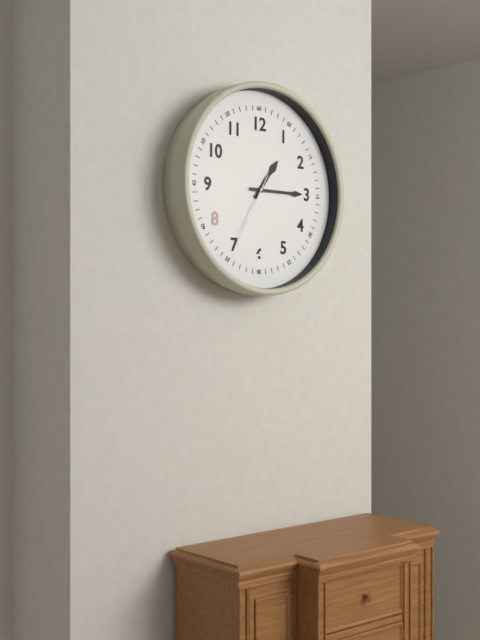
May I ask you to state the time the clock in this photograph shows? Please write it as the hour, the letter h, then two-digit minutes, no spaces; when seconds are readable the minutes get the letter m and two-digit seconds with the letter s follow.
1h15m35s
